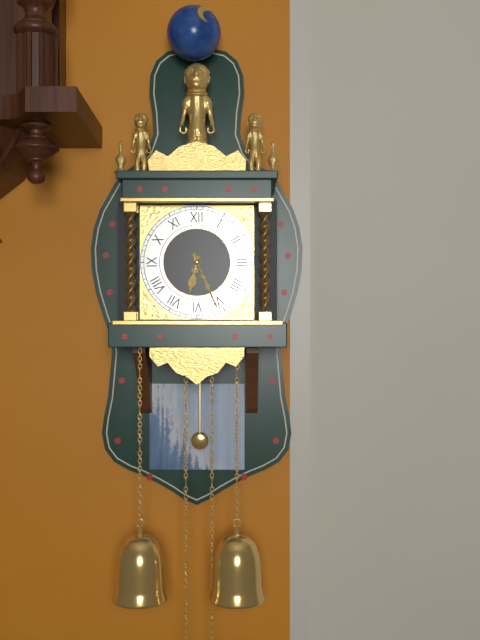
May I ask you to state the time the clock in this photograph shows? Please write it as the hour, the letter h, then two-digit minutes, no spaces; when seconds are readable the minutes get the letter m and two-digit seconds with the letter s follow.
6h26
